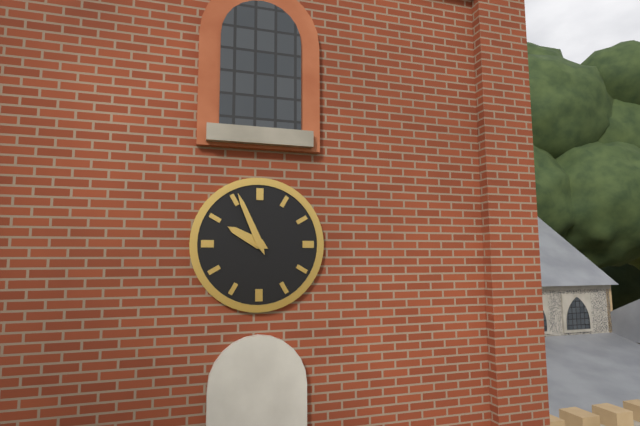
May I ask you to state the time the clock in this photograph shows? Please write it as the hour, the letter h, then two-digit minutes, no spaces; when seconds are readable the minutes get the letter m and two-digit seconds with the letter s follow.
9h56
